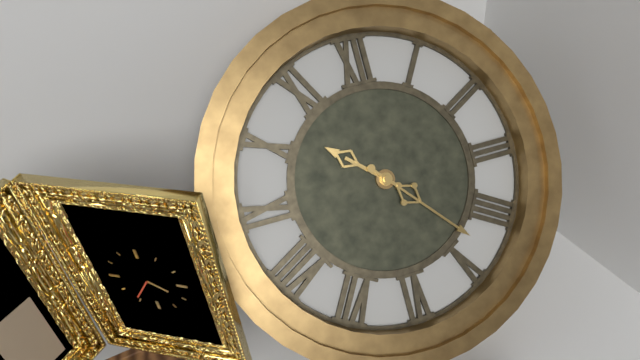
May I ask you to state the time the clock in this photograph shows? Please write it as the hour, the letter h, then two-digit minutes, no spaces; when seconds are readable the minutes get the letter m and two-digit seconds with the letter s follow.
10h23
